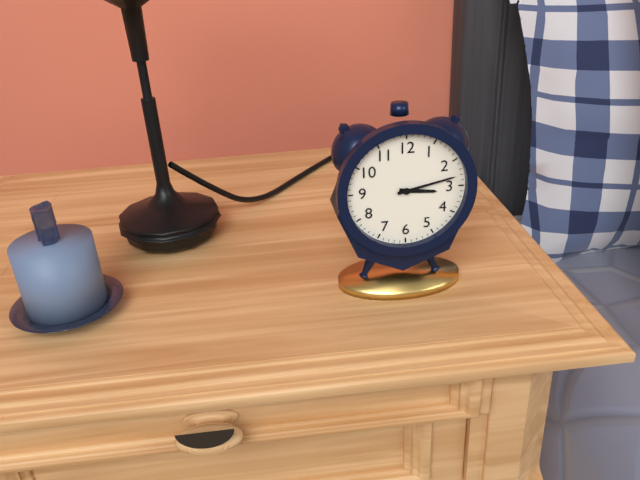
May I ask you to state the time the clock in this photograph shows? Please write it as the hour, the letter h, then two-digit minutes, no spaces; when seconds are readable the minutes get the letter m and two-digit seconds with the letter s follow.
3h13
